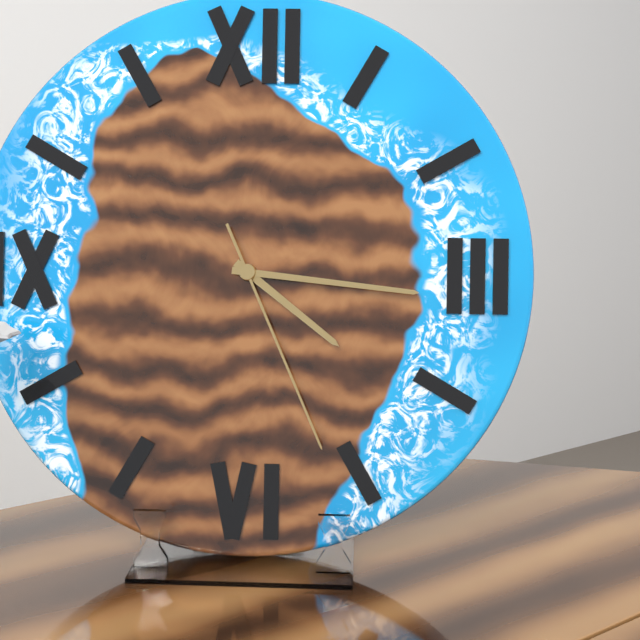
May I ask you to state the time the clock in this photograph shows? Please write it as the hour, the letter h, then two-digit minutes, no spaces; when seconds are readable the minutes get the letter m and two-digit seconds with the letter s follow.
4h16m26s
